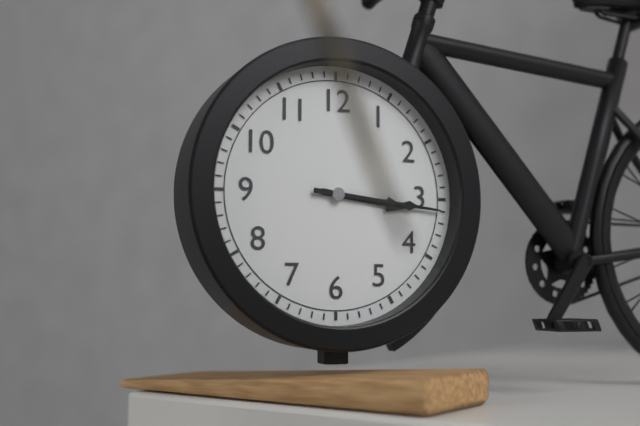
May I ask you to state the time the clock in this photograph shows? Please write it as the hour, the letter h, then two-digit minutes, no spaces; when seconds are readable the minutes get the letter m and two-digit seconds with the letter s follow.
3h16
